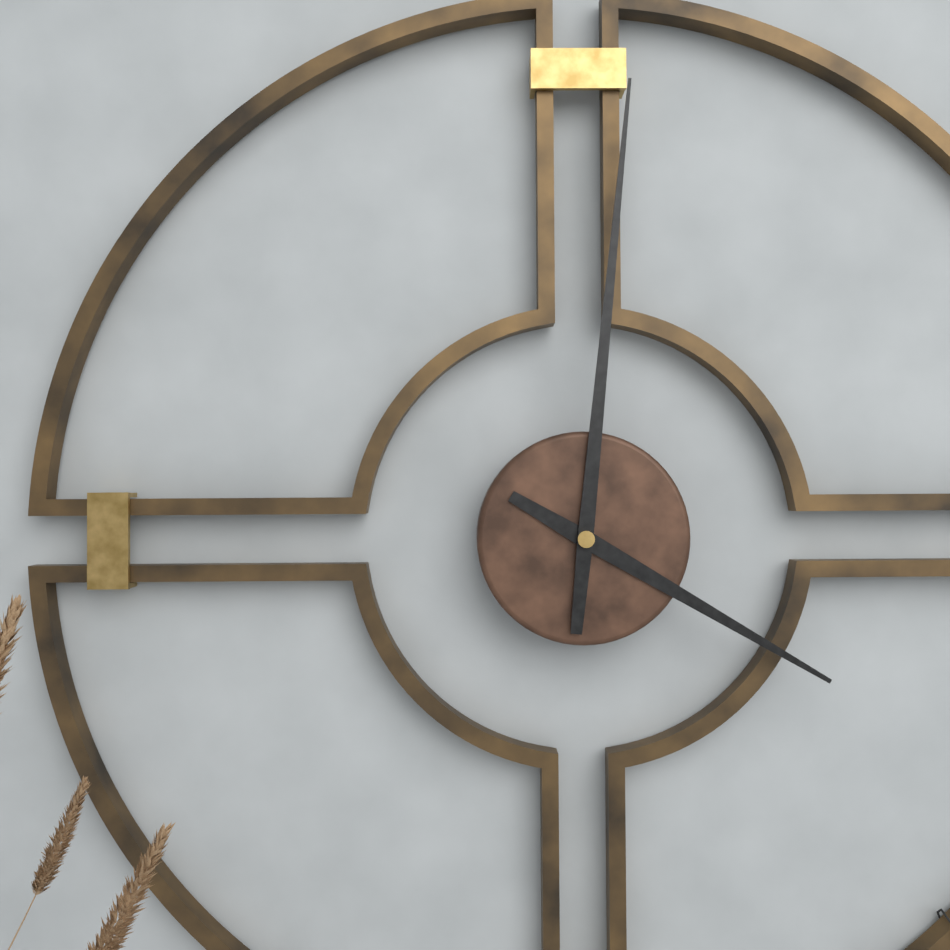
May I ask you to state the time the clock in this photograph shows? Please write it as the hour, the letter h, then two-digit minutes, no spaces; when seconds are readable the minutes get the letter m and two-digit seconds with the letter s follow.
4h01
